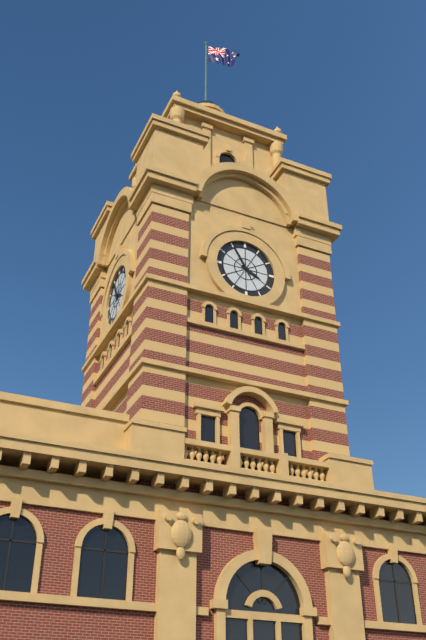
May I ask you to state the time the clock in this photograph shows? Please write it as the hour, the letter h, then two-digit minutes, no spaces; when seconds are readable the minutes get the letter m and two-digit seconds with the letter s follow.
3h55
